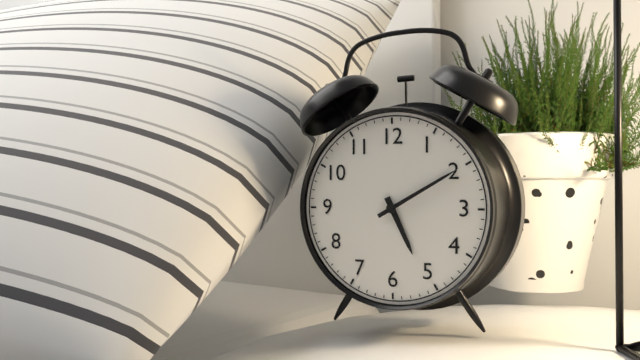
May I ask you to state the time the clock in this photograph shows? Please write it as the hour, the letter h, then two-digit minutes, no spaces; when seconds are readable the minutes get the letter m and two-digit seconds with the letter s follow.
5h10
